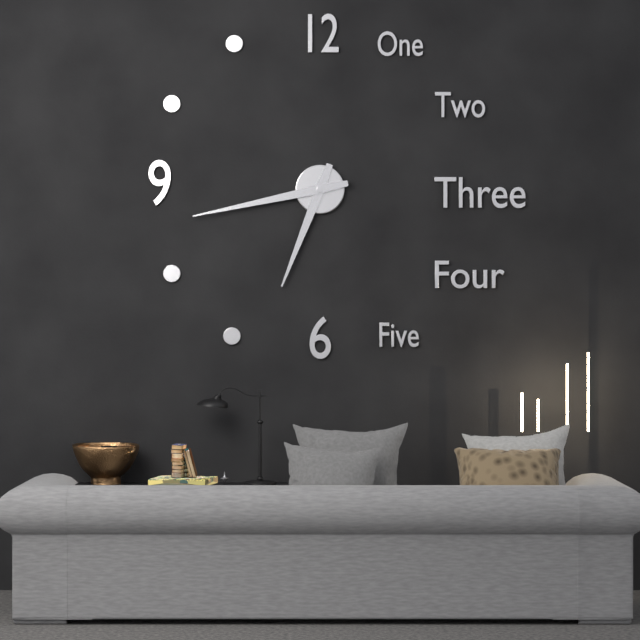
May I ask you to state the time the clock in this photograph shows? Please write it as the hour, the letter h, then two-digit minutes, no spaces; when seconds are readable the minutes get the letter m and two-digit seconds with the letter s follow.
6h43
